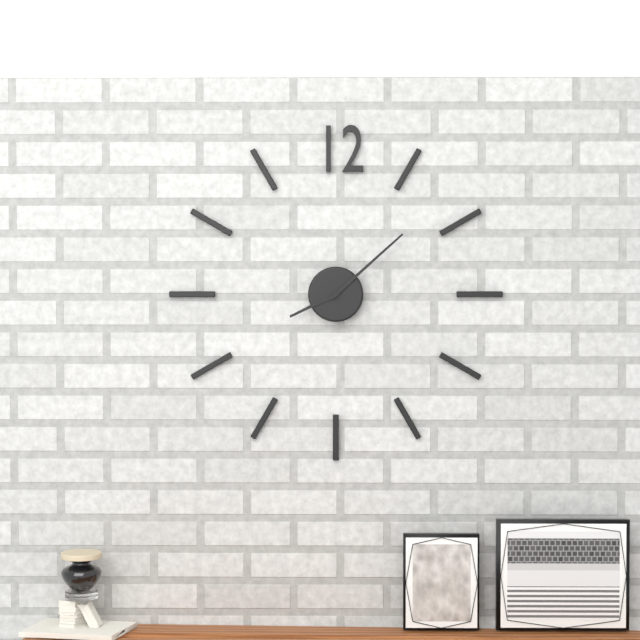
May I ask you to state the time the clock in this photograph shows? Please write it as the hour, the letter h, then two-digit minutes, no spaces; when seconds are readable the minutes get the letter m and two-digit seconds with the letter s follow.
8h08
